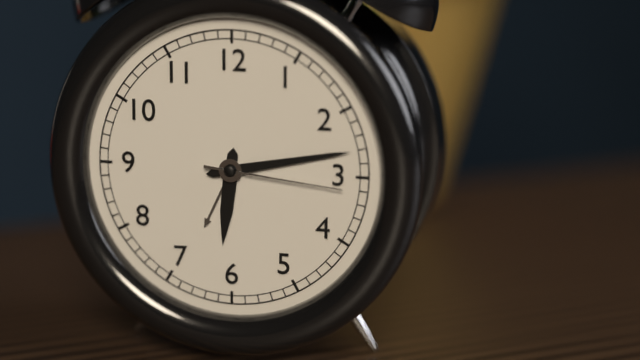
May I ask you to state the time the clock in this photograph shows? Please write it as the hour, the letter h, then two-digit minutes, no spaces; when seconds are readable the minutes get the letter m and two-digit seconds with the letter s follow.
6h13m16s
